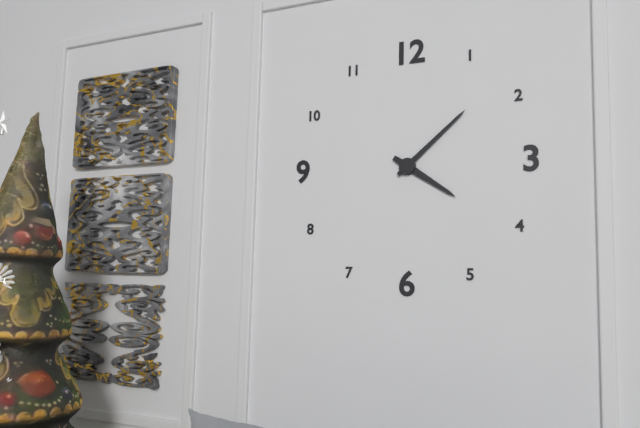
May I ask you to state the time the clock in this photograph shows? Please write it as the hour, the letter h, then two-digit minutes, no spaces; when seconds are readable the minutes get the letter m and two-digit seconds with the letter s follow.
4h08
